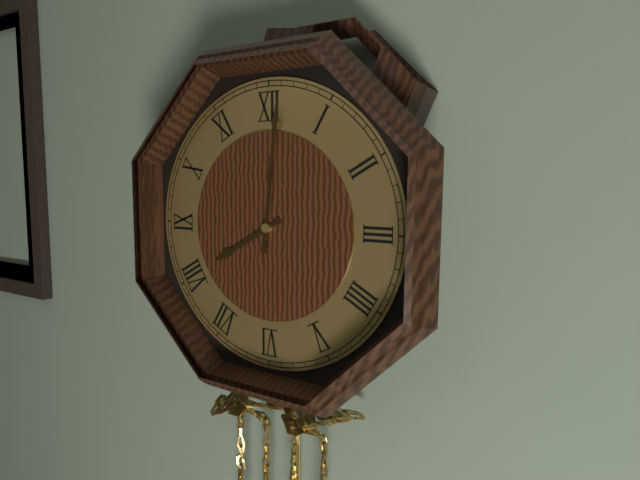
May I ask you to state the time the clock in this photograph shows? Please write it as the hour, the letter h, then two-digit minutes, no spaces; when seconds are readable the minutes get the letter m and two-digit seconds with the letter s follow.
8h01
